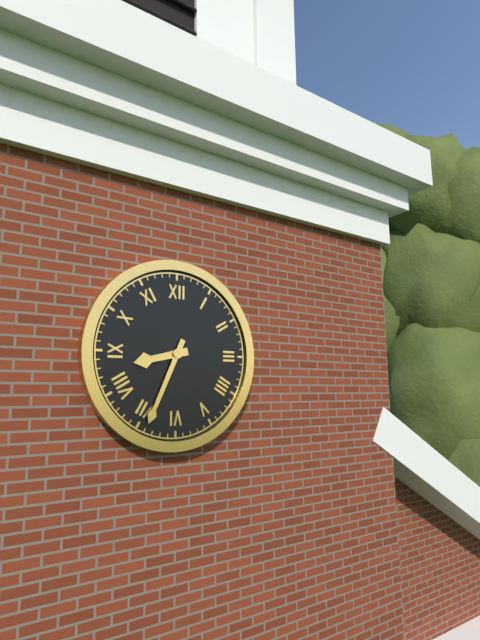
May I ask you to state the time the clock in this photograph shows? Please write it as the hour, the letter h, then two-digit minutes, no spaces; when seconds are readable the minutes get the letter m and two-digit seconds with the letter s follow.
8h34
